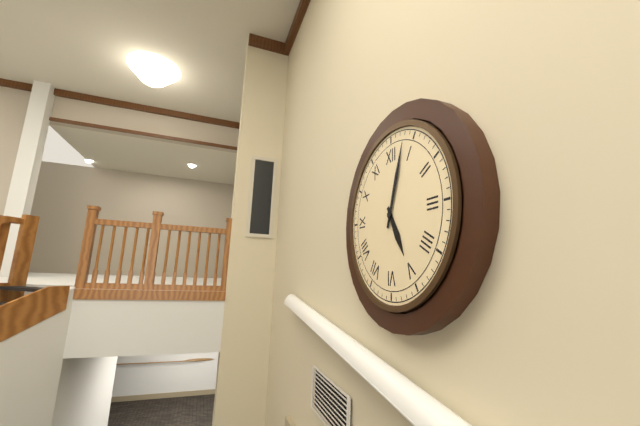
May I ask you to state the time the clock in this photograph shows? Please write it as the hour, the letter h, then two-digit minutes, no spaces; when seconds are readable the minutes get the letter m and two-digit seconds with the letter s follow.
5h03
